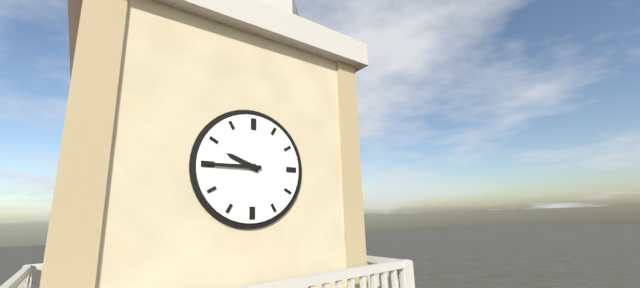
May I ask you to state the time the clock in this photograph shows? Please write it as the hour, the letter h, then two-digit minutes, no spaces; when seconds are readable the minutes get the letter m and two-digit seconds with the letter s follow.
9h45
